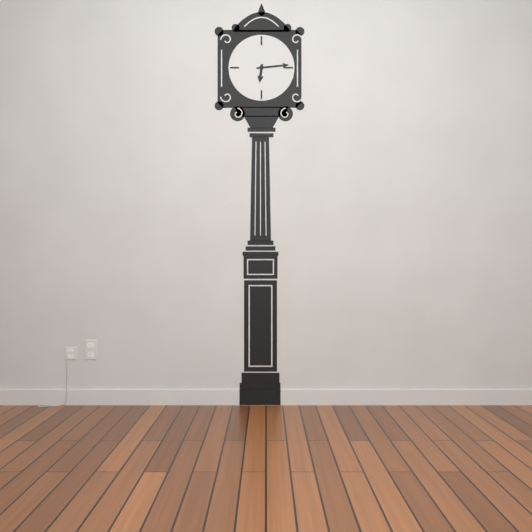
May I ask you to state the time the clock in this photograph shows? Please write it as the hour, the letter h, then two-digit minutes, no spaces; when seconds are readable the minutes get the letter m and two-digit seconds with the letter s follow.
6h14
